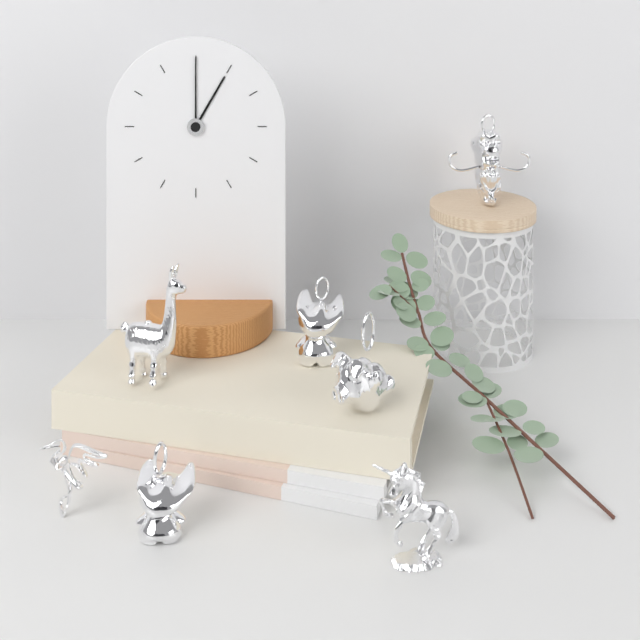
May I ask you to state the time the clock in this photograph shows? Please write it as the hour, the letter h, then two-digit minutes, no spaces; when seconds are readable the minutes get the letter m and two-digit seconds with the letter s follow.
1h00
